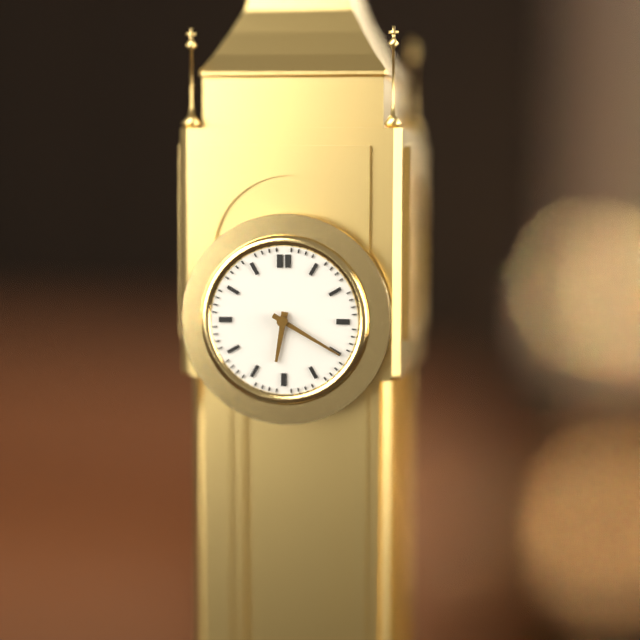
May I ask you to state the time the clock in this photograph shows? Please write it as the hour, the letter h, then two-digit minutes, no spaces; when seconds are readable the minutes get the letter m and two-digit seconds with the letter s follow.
6h20
